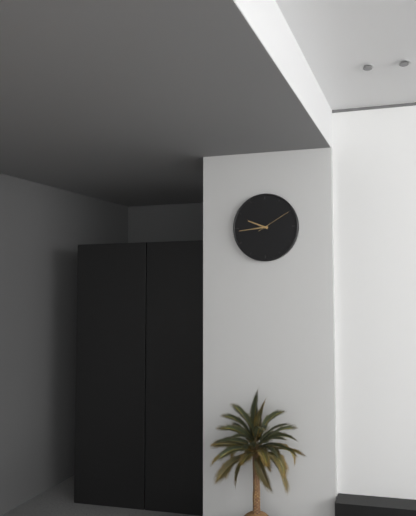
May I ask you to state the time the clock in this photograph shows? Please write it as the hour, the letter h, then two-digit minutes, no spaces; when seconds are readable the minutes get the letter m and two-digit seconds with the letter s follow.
9h44
